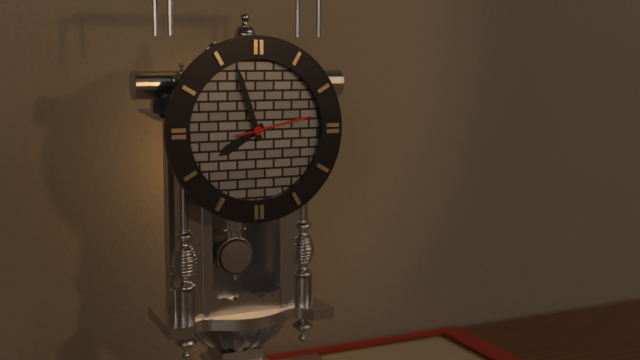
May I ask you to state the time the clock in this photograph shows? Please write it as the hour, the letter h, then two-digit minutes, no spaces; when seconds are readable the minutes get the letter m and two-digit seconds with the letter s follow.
7h57m13s
